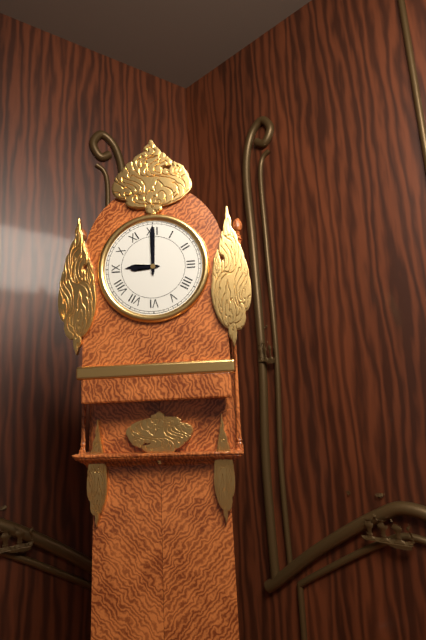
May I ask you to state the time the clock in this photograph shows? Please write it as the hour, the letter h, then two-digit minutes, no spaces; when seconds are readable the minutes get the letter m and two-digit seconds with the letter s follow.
9h00
